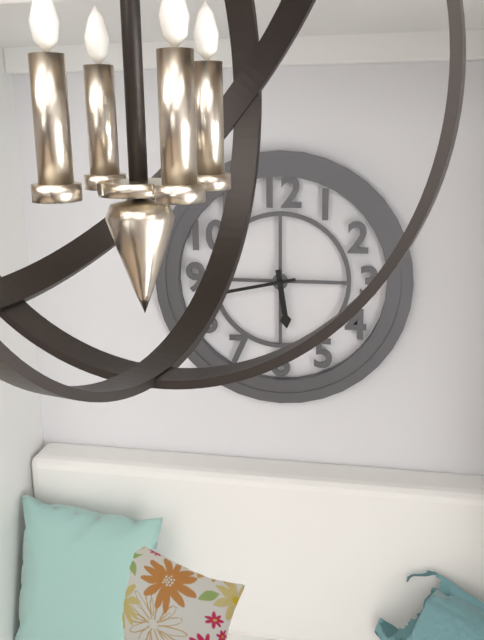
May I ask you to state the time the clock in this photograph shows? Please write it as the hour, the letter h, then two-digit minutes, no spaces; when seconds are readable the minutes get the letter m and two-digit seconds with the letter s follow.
5h43
